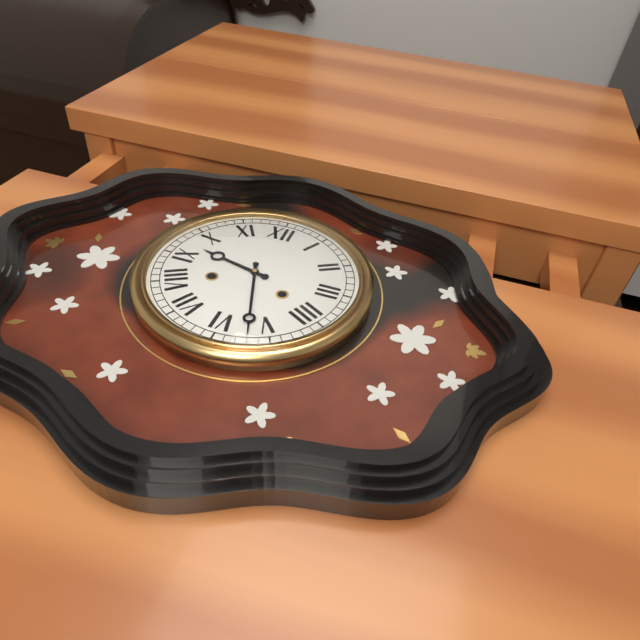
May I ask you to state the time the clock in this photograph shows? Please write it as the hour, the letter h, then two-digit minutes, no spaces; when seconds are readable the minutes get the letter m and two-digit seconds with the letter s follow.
9h27
